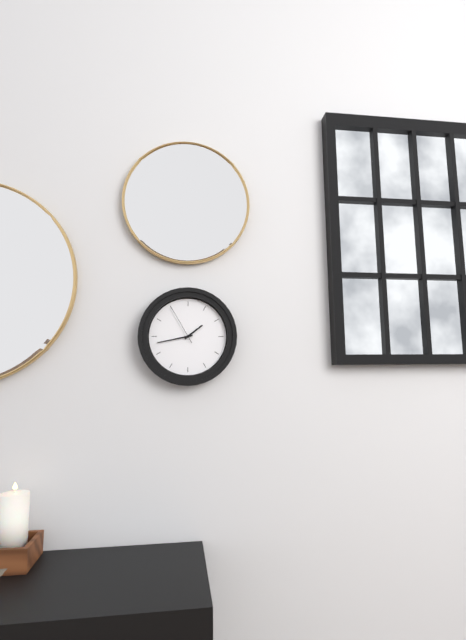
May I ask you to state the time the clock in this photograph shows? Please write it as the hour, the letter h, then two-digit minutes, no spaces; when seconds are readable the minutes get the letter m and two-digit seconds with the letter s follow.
1h43
